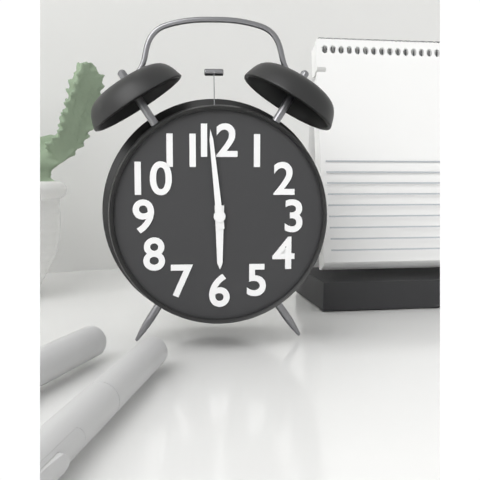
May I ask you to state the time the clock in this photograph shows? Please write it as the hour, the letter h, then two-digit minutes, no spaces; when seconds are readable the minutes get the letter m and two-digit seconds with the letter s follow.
5h59
